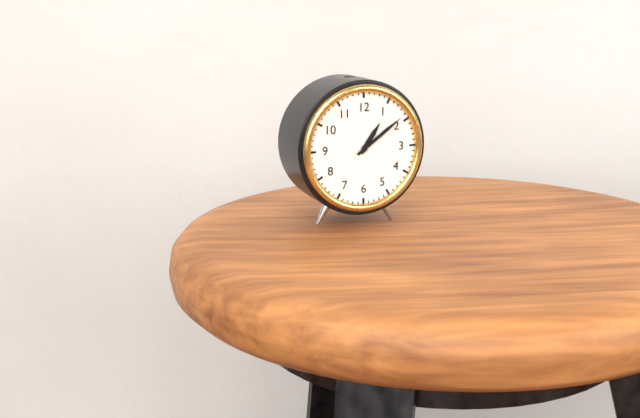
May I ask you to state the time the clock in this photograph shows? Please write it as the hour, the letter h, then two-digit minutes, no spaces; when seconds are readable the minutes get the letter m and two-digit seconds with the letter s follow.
1h09
